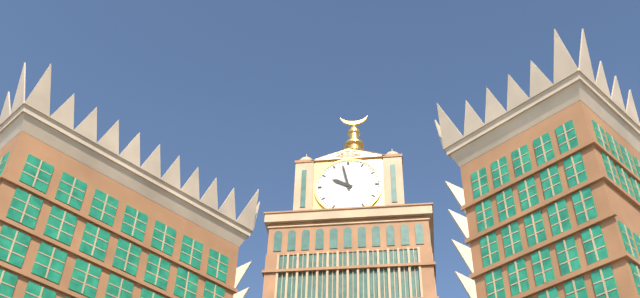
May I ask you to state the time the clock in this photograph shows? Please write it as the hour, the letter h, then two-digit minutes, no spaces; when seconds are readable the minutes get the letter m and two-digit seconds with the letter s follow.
9h58
